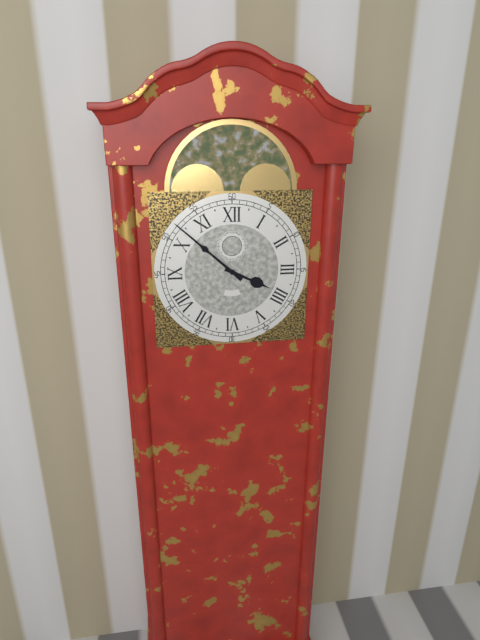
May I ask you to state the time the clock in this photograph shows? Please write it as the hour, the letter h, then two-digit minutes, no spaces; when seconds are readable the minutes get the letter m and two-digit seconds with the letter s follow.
3h52
